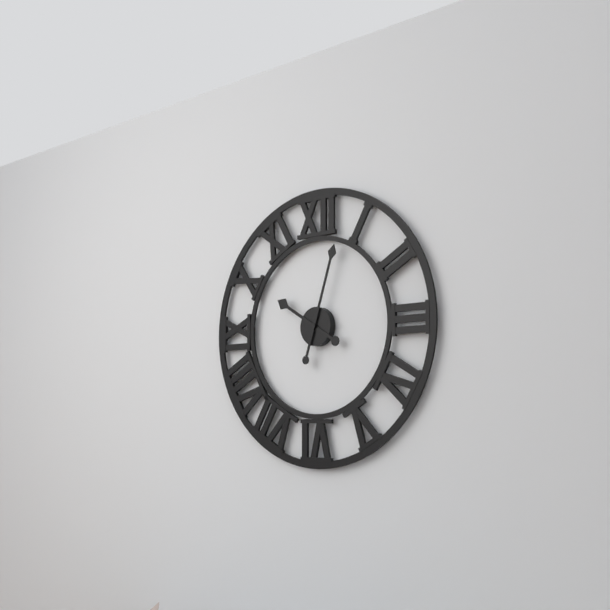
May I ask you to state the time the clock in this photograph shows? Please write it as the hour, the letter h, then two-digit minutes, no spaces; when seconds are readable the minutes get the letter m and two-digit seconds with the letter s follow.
10h03
